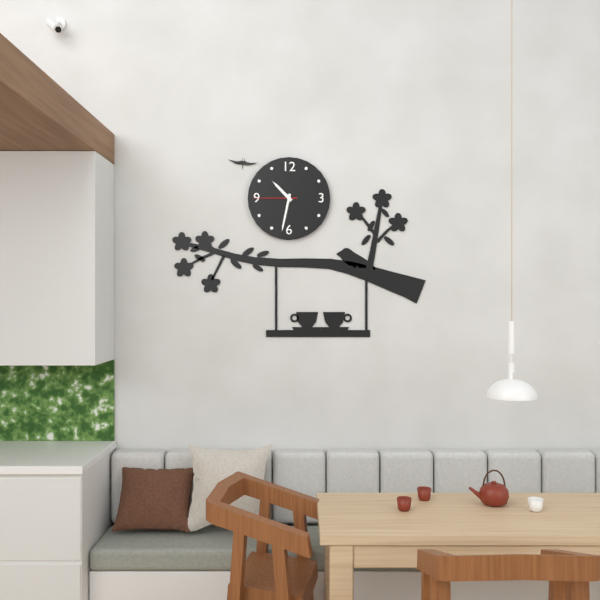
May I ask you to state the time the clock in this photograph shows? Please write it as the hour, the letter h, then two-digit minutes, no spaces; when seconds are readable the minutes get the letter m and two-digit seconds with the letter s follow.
10h32
